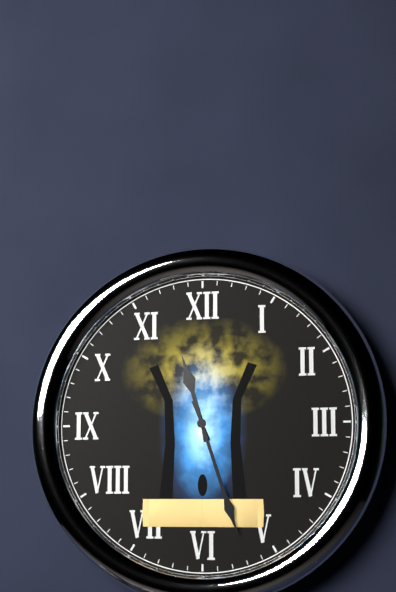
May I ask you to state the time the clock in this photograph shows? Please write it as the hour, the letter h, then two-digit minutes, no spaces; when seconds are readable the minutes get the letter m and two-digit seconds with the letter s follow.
11h27
